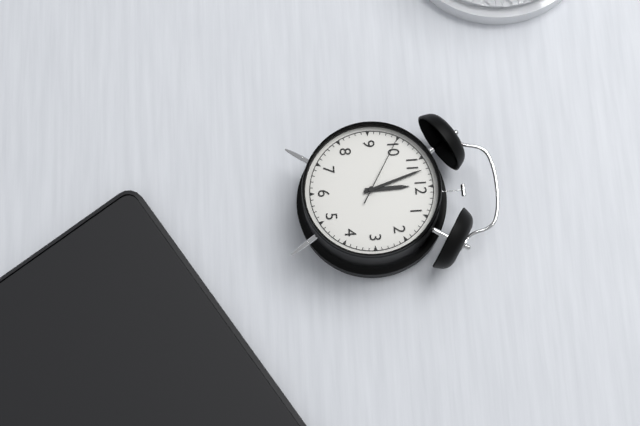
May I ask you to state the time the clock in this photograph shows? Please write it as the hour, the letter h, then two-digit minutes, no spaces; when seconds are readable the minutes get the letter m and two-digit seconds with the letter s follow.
11h57m50s
